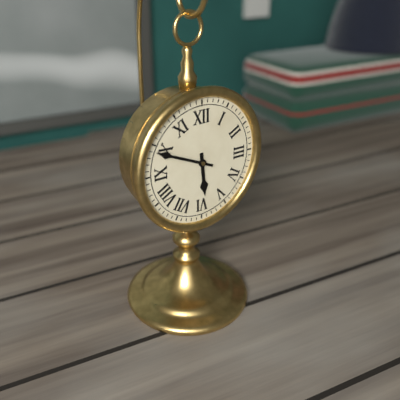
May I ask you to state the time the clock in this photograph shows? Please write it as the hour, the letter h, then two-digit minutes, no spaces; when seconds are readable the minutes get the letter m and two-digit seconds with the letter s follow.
5h49
